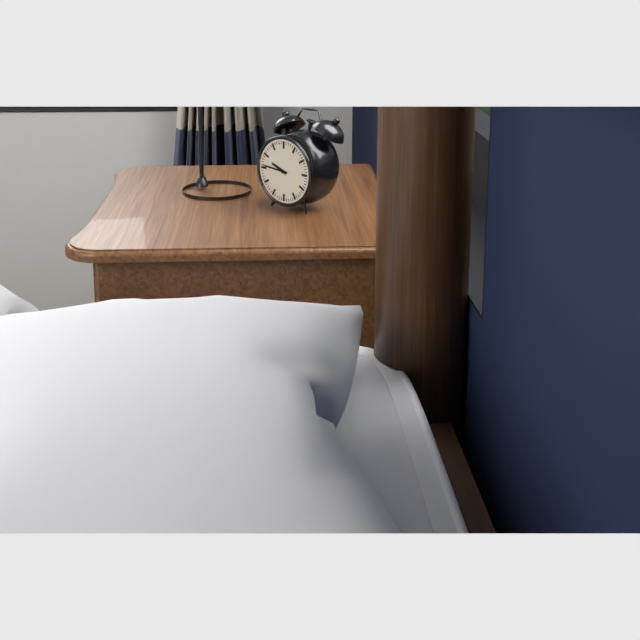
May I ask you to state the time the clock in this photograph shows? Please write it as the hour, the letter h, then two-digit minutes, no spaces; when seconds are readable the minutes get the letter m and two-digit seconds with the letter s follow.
9h46
